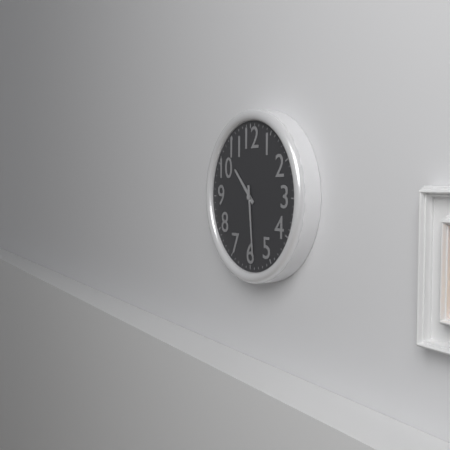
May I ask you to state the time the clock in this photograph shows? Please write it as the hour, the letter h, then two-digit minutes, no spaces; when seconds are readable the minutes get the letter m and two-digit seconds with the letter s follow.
10h29
